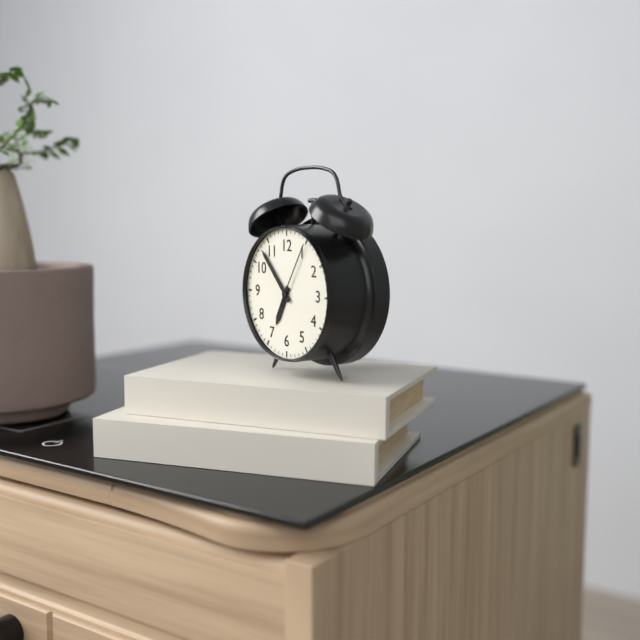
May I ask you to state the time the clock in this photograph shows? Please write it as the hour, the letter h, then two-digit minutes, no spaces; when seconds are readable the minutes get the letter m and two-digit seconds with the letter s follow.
6h53m05s
